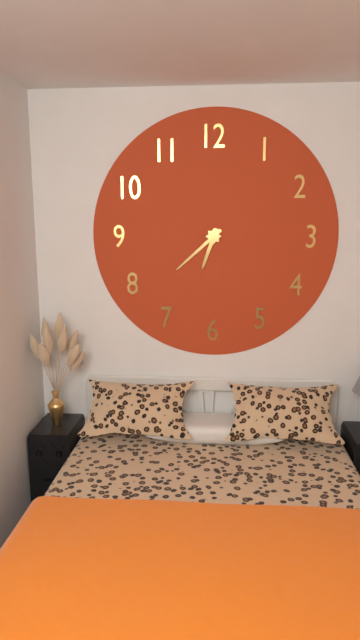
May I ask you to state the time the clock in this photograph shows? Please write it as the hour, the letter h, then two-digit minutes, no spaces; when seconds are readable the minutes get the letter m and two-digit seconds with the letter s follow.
6h38
